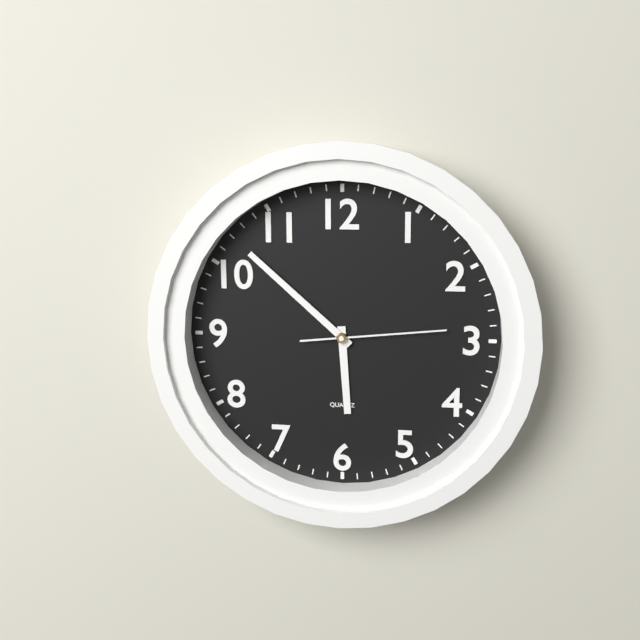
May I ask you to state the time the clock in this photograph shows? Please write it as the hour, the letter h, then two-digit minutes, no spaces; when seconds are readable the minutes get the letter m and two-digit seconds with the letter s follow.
5h52m14s
